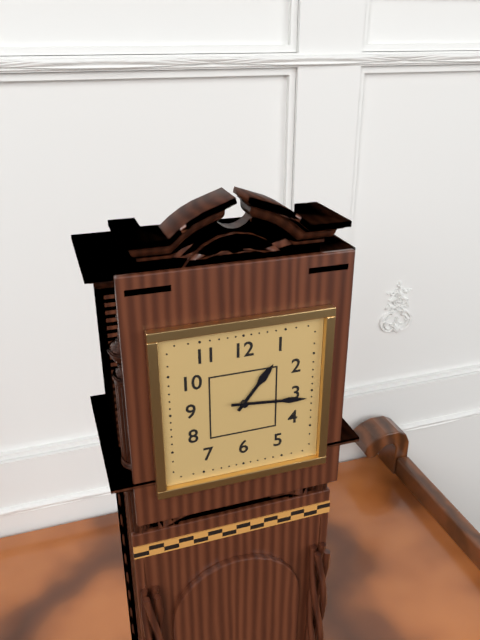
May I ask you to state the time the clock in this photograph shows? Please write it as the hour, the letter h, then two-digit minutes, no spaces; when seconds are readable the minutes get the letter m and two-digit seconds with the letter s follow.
1h16
